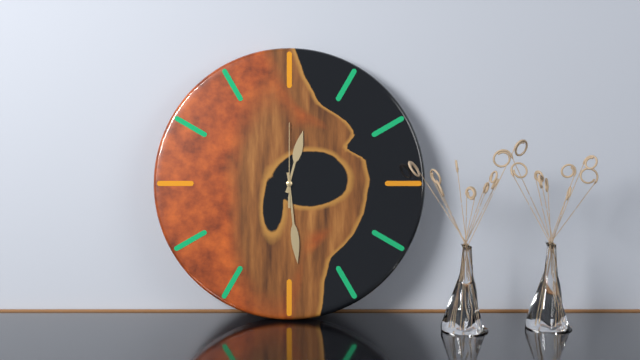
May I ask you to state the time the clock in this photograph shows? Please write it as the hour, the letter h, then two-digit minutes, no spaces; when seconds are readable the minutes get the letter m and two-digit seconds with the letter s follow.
12h29m00s
